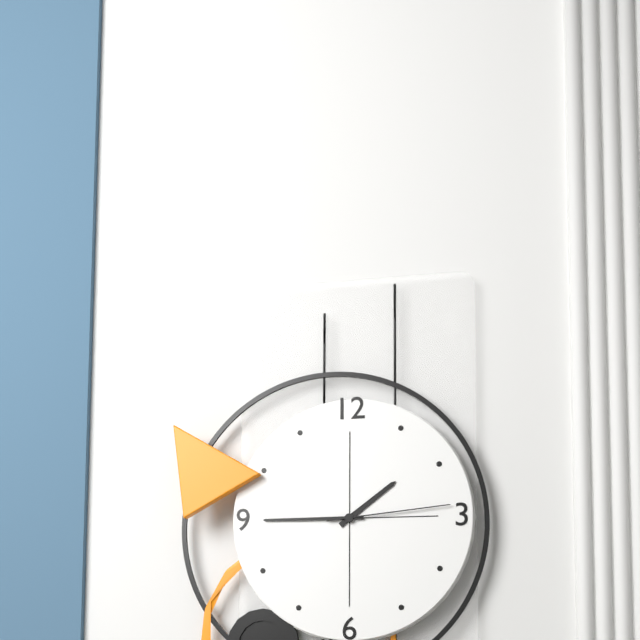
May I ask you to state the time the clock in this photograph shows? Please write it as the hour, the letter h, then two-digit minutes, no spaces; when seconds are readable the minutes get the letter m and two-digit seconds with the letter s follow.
1h45m14s
